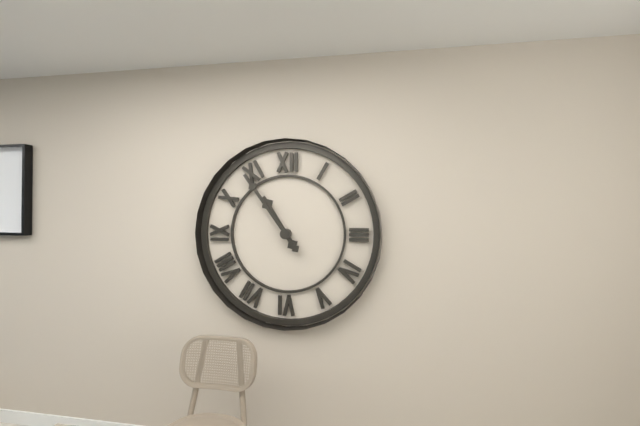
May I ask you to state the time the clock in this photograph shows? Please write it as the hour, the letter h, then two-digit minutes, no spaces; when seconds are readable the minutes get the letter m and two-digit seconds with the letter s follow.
10h54
